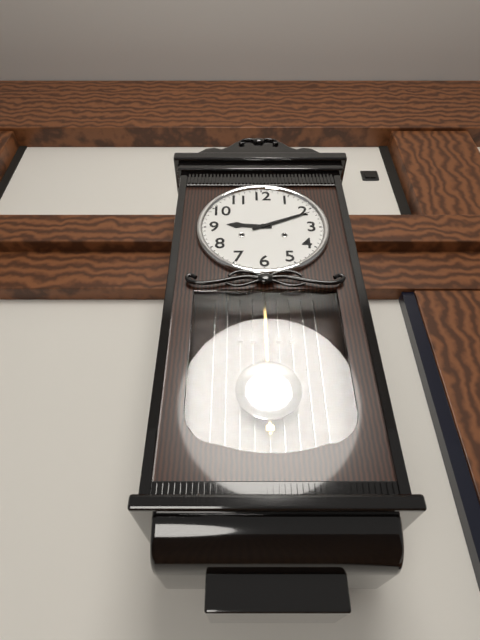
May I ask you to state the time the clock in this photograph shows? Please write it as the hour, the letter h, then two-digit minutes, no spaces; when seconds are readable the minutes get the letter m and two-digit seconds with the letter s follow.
9h11
